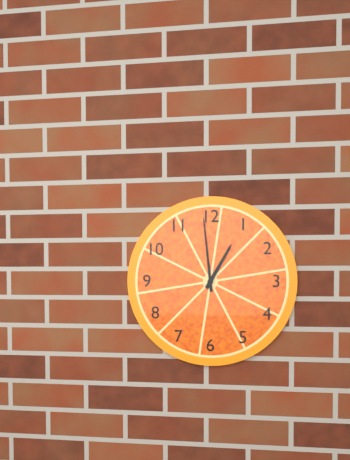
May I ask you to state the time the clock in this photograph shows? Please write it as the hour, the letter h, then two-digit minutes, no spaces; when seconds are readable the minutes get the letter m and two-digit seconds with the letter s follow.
12h59
